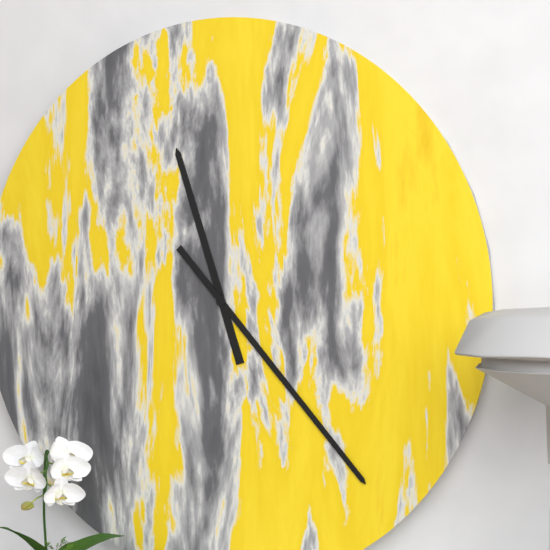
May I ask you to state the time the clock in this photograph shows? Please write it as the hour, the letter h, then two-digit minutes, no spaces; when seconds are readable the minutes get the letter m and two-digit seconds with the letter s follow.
11h23
